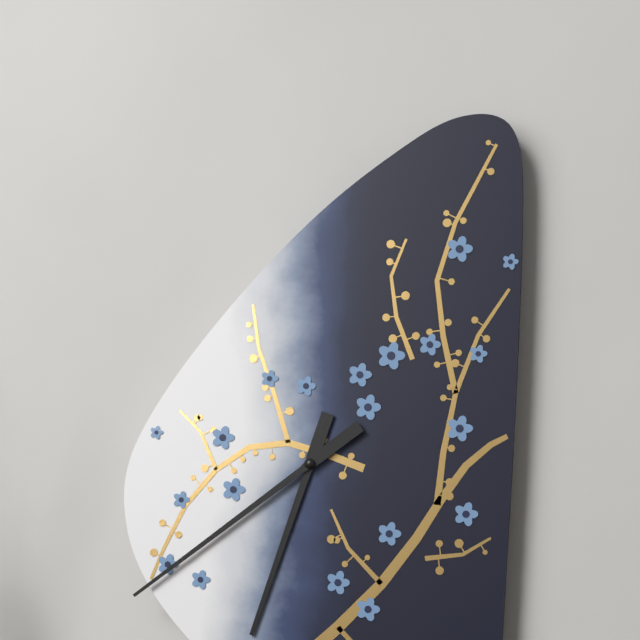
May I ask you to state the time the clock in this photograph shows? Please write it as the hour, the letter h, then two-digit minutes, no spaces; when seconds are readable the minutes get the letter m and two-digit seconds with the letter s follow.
6h39
